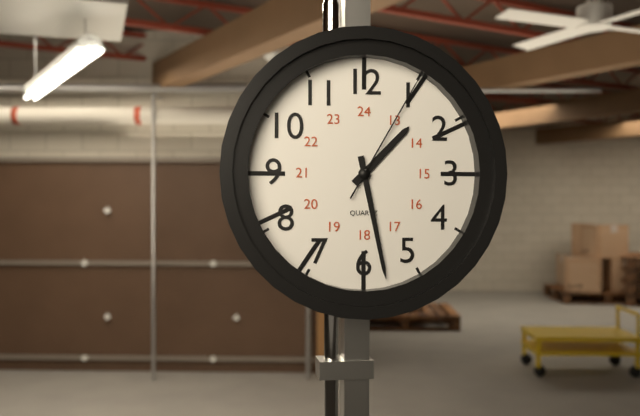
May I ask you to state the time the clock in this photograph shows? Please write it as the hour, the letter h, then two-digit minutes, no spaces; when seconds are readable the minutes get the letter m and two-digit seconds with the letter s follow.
1h28m05s
